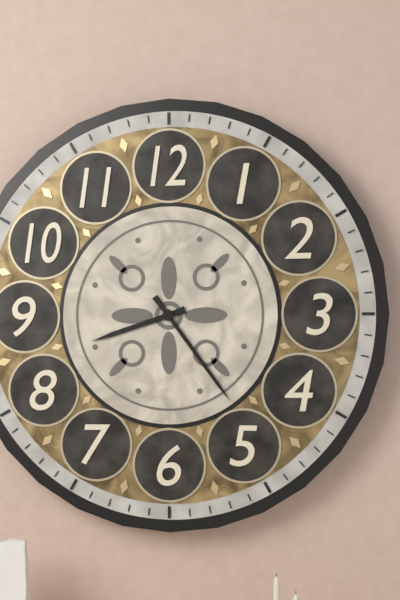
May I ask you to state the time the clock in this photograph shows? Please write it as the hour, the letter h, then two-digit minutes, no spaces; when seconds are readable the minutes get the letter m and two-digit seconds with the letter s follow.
8h24
